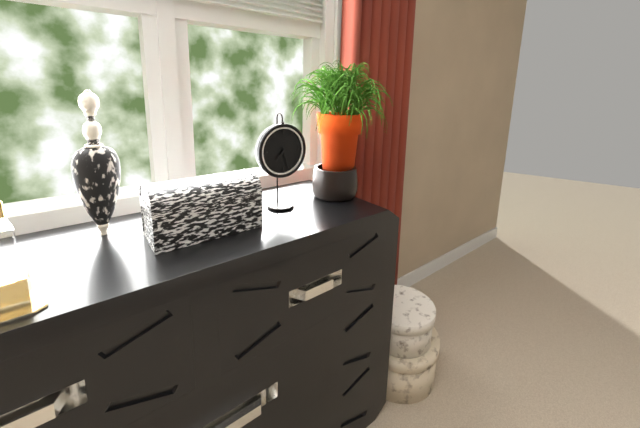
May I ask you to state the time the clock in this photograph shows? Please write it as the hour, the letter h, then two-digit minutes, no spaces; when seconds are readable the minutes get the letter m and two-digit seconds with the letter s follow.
7h27
